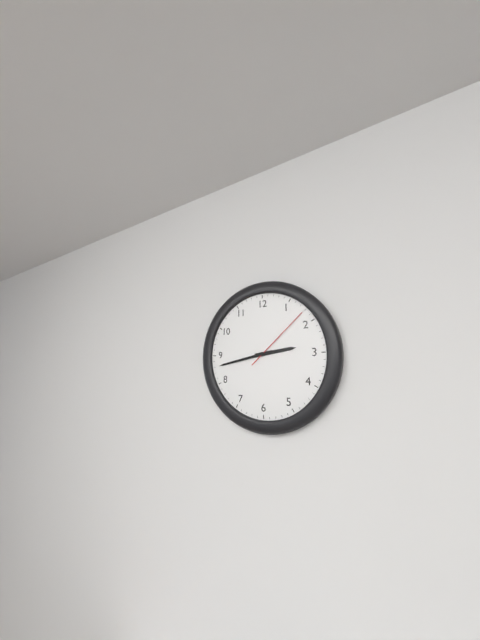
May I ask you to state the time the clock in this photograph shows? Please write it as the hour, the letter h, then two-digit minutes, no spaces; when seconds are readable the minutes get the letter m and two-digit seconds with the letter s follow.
2h43m08s
